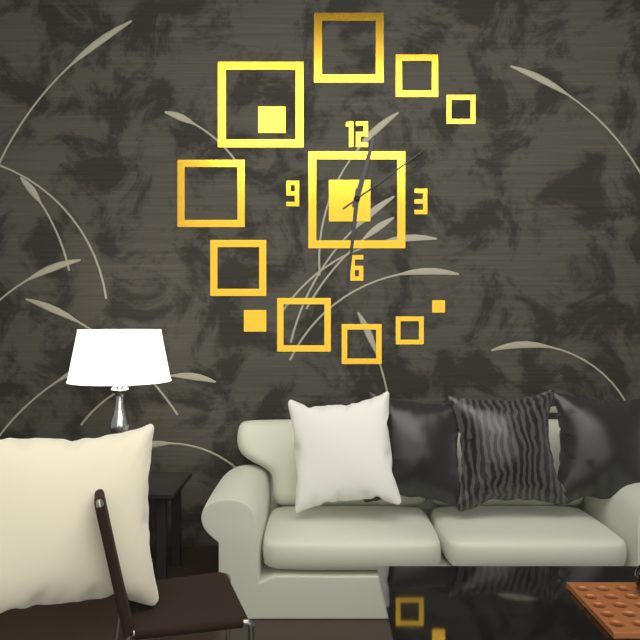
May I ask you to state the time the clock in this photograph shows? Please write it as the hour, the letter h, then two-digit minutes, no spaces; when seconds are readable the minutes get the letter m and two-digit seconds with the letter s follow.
12h31m09s
